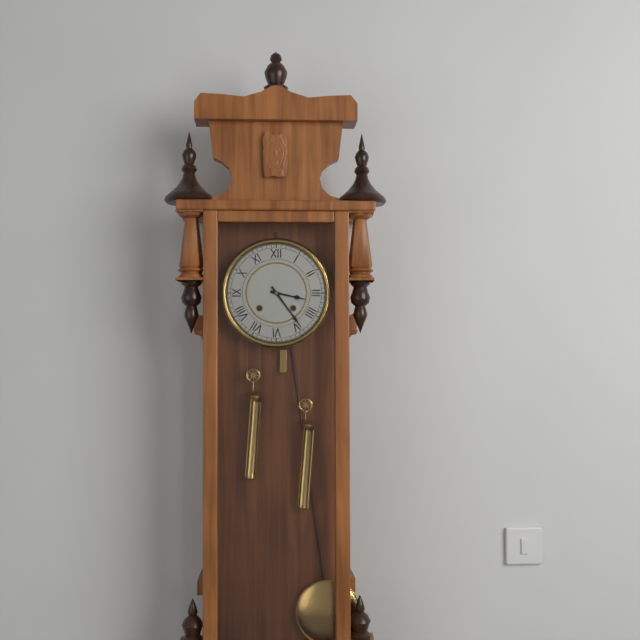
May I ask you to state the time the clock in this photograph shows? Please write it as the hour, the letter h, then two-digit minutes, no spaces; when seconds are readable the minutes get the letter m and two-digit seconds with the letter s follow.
3h24
